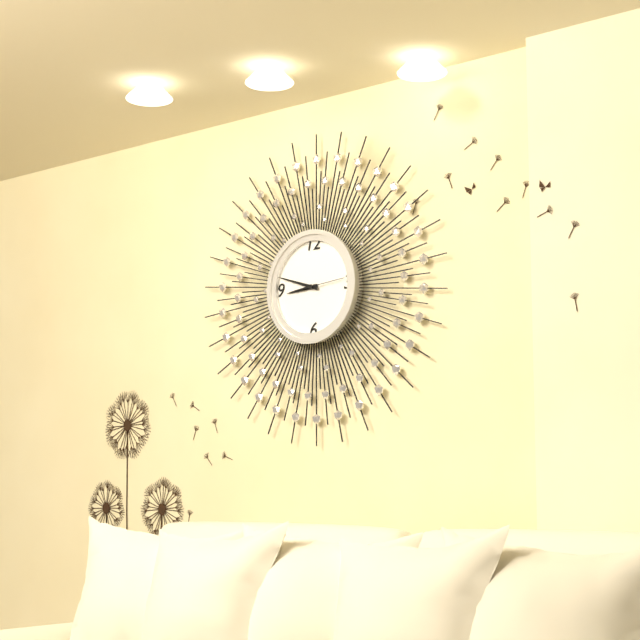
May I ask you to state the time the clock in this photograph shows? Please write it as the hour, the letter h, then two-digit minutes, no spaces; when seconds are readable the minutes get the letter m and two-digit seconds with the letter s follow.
8h48
